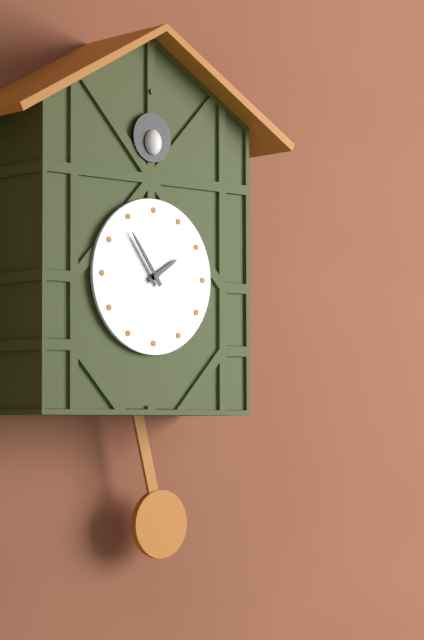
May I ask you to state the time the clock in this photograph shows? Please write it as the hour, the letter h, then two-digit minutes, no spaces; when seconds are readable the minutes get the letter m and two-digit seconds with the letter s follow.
1h54
